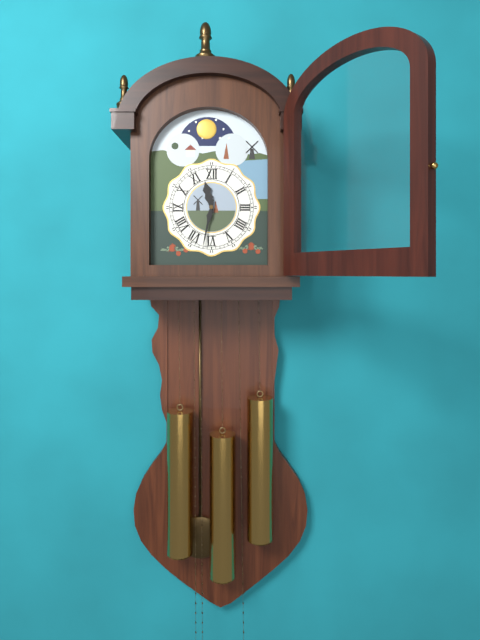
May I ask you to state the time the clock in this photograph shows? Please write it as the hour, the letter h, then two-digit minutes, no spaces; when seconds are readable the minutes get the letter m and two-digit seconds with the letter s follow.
11h32
